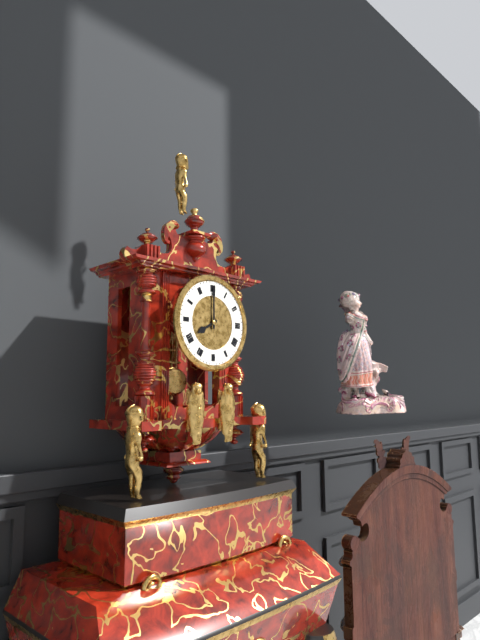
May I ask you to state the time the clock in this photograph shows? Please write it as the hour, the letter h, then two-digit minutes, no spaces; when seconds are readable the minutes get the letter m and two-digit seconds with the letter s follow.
8h00
